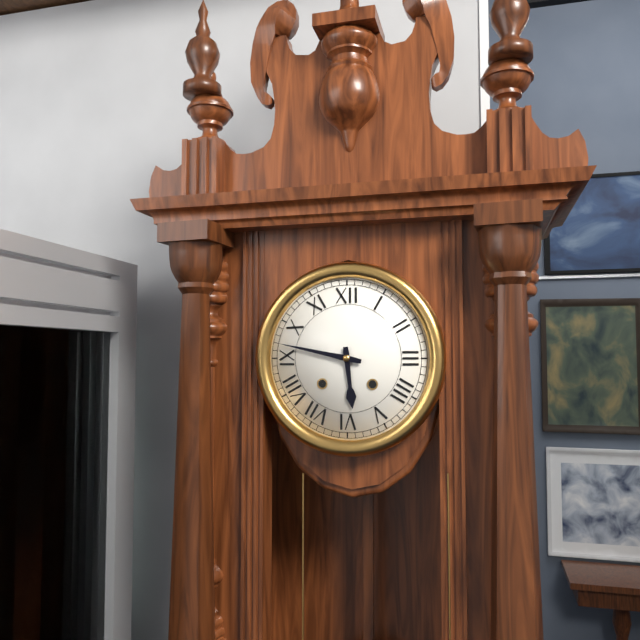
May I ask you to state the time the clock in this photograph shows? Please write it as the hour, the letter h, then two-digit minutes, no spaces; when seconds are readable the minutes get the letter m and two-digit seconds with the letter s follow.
5h47
